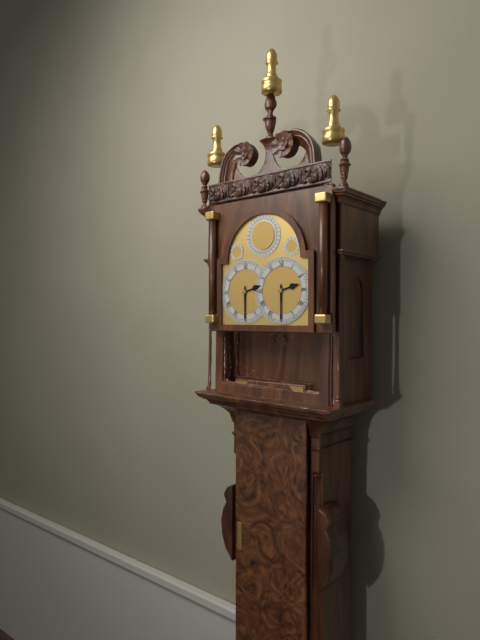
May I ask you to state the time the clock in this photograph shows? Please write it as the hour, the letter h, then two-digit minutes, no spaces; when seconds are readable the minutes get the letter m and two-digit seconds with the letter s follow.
2h30
